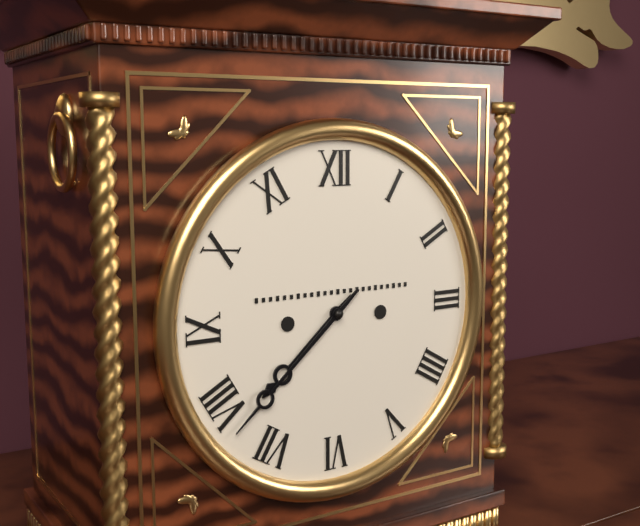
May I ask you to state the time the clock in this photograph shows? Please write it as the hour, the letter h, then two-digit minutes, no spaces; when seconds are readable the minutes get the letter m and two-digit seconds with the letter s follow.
7h38
